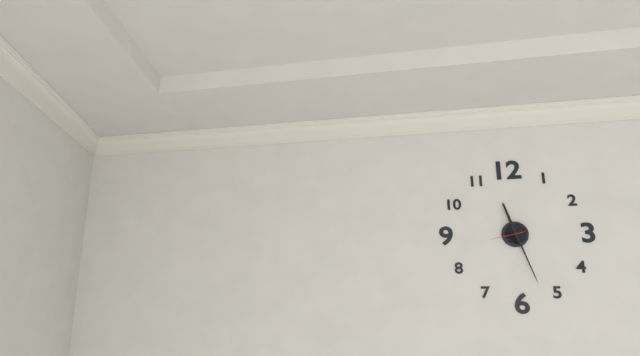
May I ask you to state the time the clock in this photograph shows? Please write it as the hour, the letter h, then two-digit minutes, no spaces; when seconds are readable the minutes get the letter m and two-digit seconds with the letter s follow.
11h27
